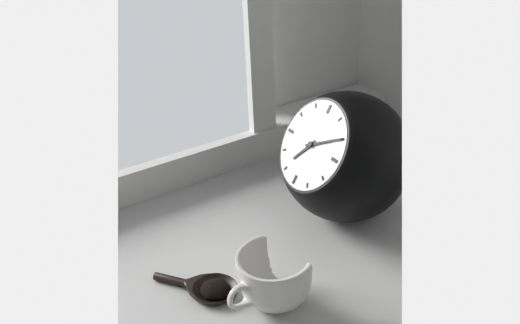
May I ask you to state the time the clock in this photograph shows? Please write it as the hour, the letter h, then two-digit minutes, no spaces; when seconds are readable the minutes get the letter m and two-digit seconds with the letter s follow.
7h10
